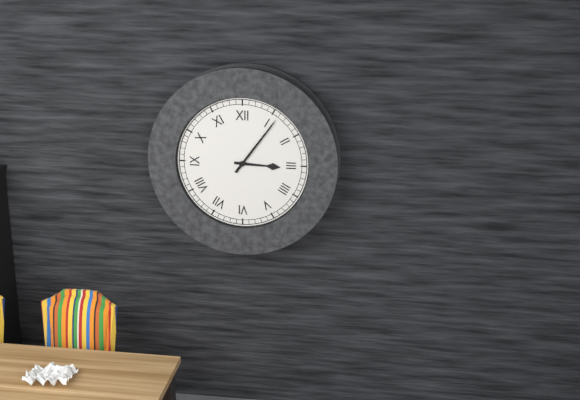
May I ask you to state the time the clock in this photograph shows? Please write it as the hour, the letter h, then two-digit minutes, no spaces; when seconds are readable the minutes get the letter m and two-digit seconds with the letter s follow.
3h06
